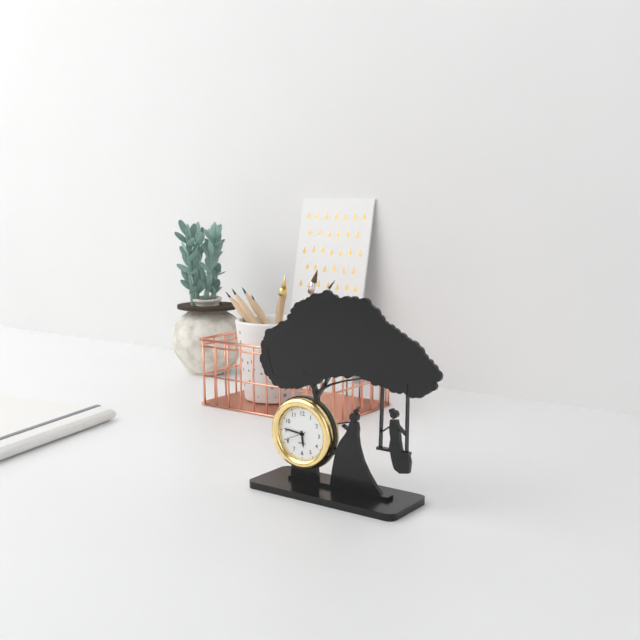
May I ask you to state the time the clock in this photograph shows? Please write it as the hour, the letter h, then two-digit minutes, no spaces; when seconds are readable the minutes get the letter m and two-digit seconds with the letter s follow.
5h46
